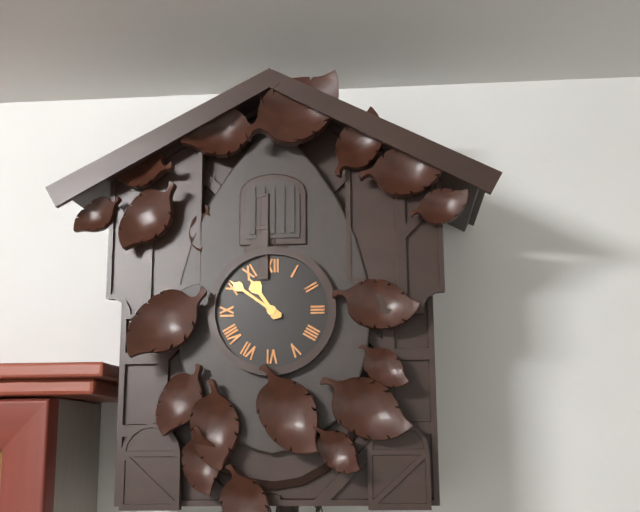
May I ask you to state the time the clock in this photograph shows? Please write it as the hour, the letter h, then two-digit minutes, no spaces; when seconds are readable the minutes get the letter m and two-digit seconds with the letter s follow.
10h51
